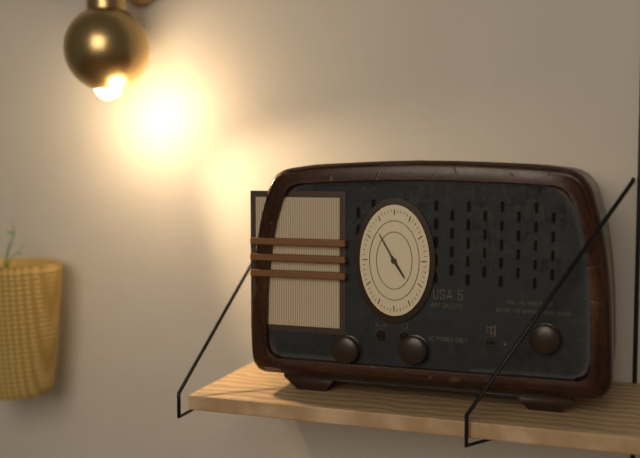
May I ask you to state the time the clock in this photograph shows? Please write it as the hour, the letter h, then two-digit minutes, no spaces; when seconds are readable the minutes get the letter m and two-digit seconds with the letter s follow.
4h55
